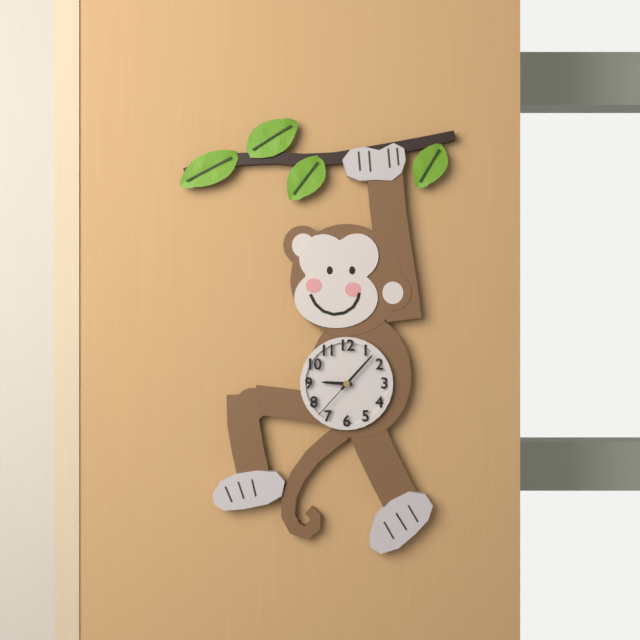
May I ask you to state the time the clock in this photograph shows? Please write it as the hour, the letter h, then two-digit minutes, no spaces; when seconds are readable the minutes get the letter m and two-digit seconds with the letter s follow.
9h07m37s
